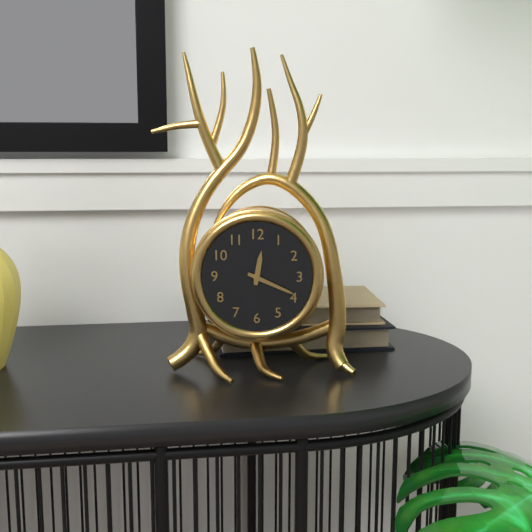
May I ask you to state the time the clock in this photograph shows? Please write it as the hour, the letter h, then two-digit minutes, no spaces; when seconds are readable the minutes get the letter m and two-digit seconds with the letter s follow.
12h19
